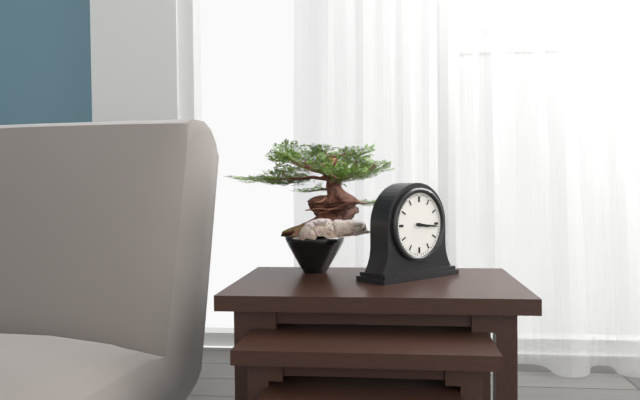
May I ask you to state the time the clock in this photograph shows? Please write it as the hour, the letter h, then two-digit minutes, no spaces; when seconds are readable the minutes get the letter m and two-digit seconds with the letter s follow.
3h16
